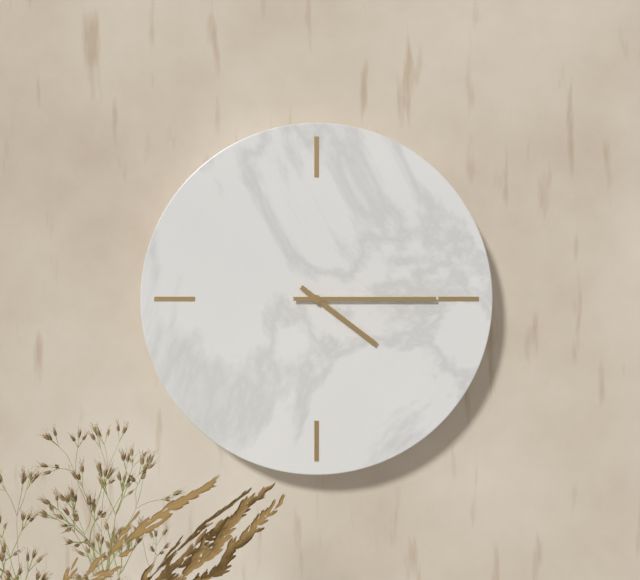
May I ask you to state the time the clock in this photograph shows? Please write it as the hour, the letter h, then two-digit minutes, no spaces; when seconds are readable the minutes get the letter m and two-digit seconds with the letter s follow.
4h15
